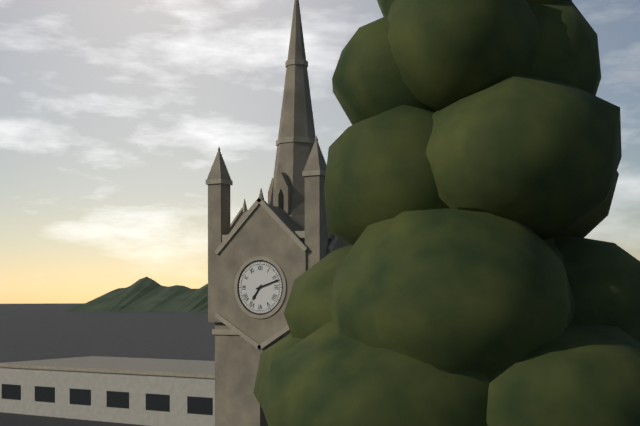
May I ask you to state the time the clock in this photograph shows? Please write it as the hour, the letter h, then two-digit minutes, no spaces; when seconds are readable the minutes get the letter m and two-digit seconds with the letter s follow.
7h12
